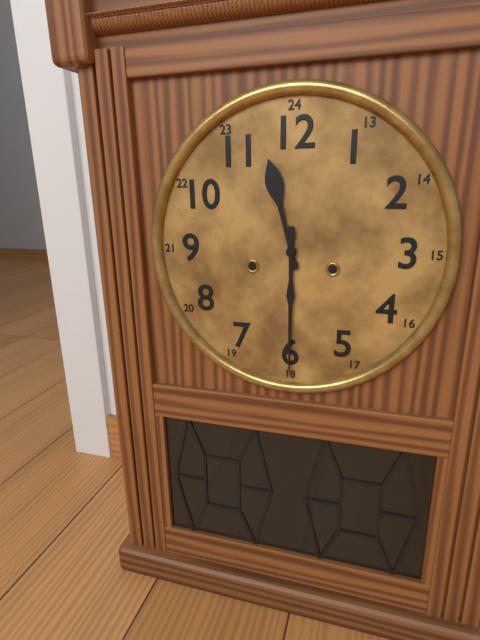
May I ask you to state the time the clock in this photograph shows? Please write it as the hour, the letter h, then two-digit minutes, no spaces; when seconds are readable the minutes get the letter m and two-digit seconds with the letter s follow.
11h30
